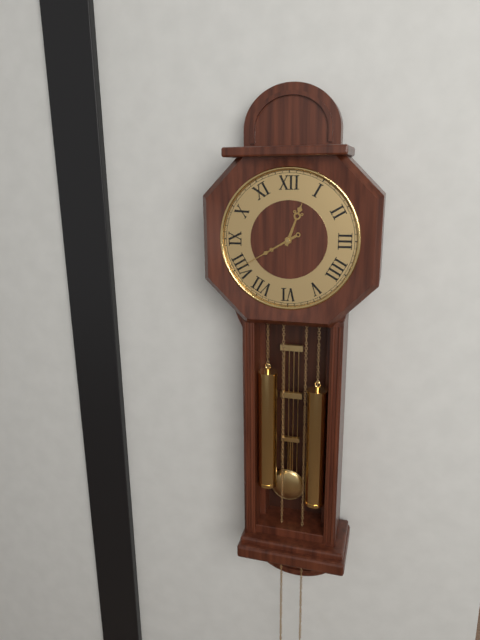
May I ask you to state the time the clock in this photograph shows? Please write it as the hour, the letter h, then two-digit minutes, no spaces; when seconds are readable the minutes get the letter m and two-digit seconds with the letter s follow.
12h40
